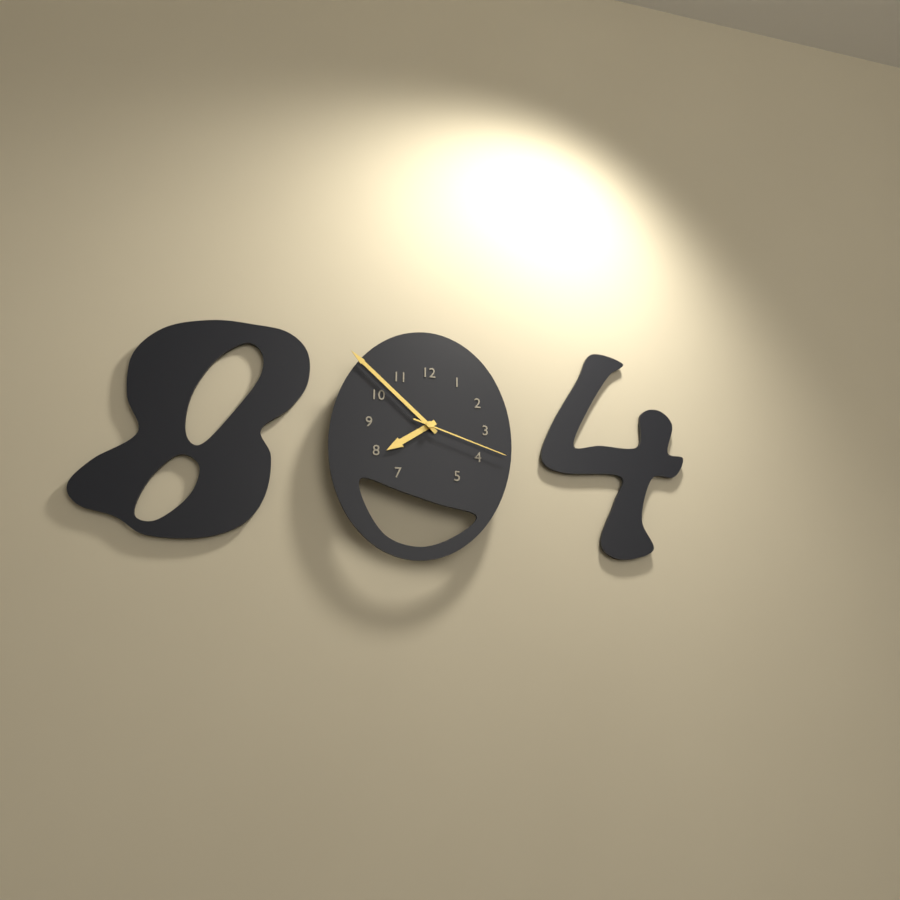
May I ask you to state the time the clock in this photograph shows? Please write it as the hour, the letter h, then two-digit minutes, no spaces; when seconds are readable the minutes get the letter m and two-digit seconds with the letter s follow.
7h52m18s
